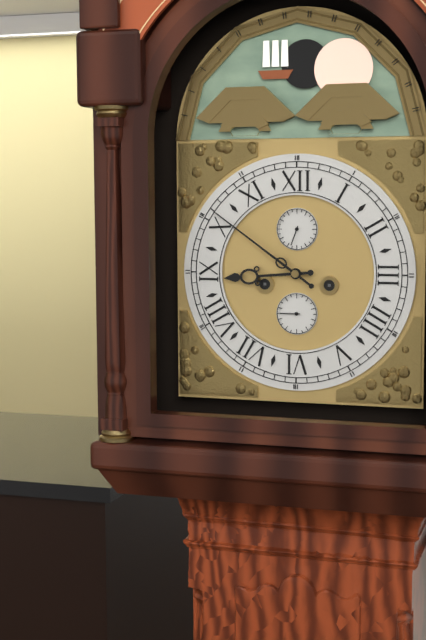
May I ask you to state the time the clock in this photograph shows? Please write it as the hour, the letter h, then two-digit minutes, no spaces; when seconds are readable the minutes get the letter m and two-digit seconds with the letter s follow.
8h51
